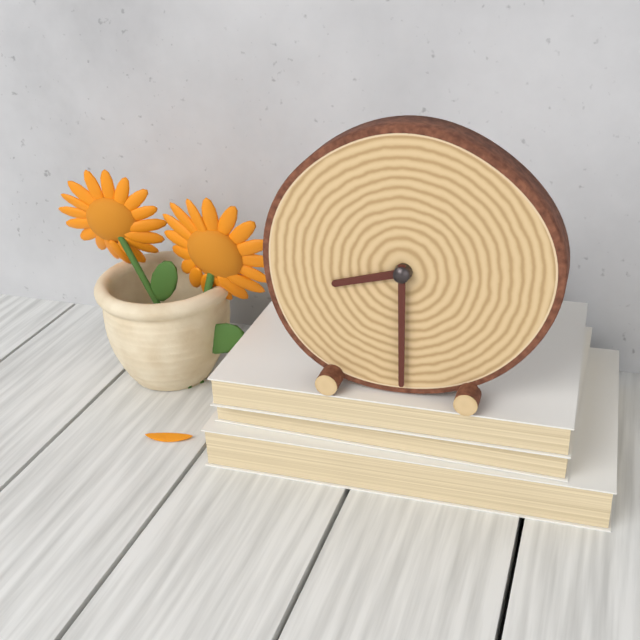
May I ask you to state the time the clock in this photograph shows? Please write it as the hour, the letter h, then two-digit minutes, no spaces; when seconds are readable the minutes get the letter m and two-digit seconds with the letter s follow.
8h30
